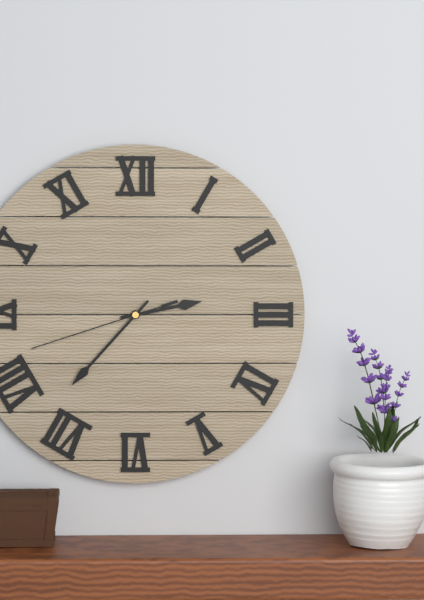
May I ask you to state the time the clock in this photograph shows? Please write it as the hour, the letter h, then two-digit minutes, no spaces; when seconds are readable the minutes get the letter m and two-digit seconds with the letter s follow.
2h37m42s
